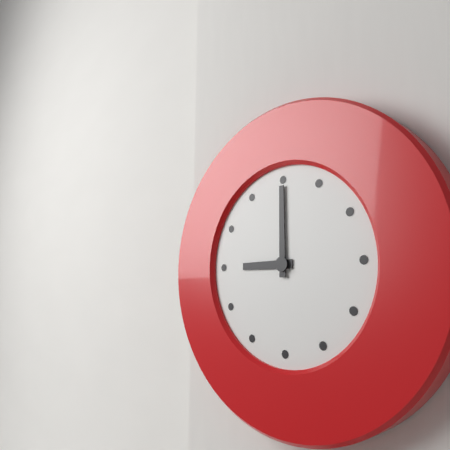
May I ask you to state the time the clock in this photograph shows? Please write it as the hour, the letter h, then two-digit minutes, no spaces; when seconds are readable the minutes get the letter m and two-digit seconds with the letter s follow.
9h00
